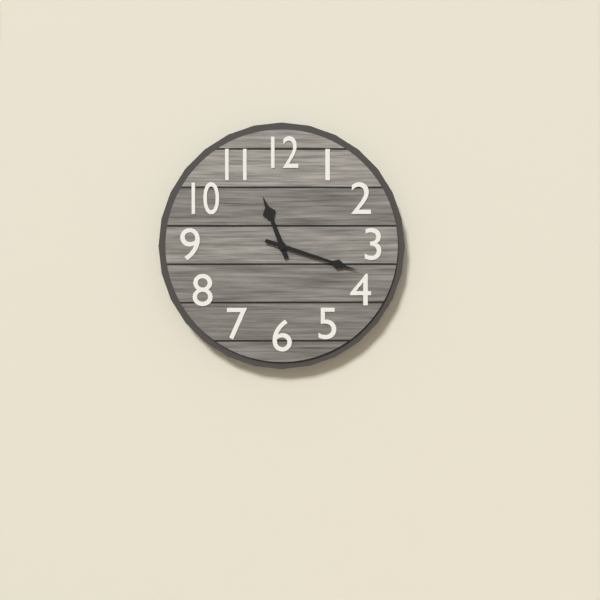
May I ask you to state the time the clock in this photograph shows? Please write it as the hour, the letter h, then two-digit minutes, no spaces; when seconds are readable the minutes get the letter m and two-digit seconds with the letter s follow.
11h18
